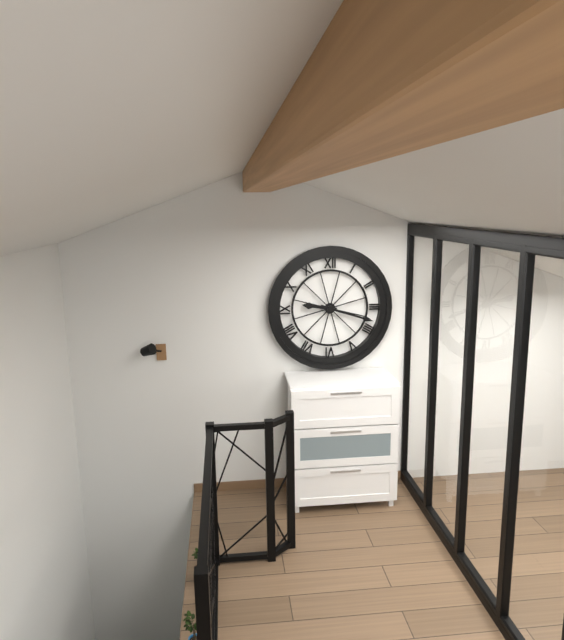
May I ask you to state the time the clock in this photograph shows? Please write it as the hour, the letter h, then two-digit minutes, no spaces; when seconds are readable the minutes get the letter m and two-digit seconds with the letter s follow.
9h18
